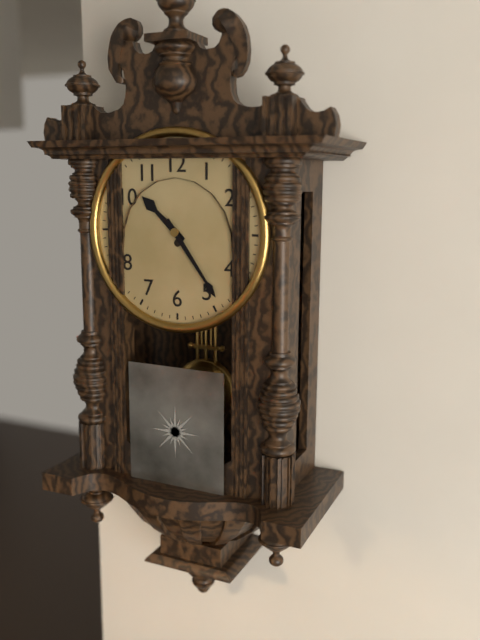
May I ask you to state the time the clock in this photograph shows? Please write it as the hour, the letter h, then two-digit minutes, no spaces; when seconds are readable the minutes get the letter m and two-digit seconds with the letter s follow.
10h24
